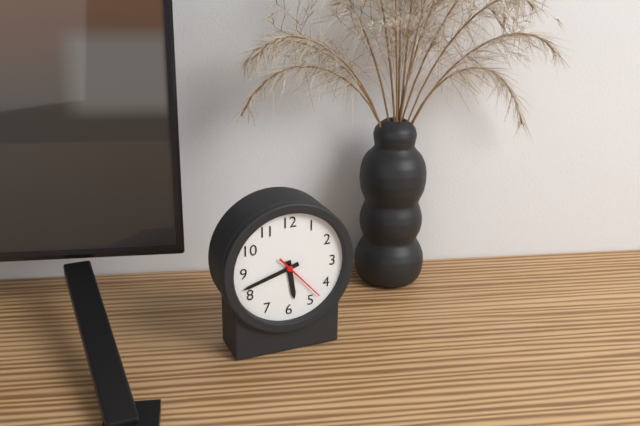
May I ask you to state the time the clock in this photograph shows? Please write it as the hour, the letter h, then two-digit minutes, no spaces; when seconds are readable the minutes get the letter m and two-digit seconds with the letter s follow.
5h42m23s
